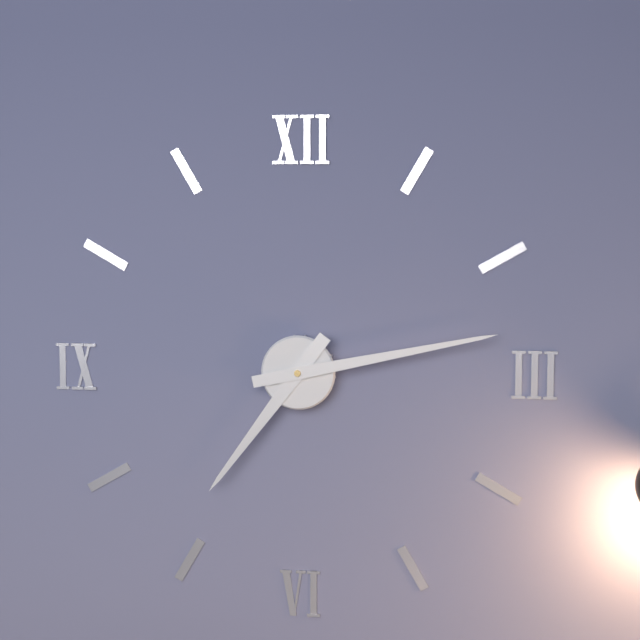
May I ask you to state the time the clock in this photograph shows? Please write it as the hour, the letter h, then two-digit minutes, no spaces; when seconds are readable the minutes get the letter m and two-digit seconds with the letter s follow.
7h13
